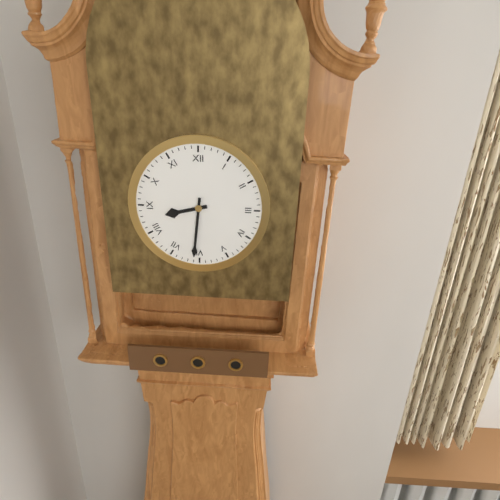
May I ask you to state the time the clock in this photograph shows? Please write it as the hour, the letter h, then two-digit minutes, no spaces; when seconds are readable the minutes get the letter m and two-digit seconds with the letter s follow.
8h31
